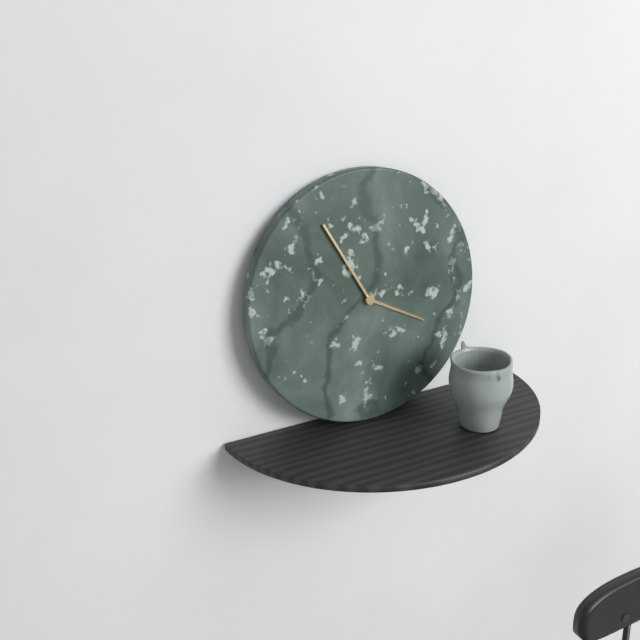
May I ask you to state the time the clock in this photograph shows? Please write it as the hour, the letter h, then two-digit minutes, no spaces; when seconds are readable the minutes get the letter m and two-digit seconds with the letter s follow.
3h55
